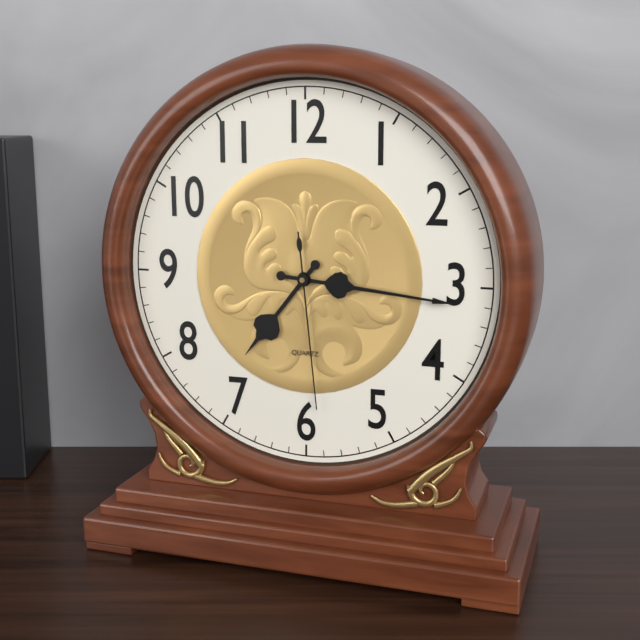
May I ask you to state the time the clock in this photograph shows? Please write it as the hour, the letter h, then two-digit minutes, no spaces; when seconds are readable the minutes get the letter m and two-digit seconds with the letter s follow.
7h16m29s
